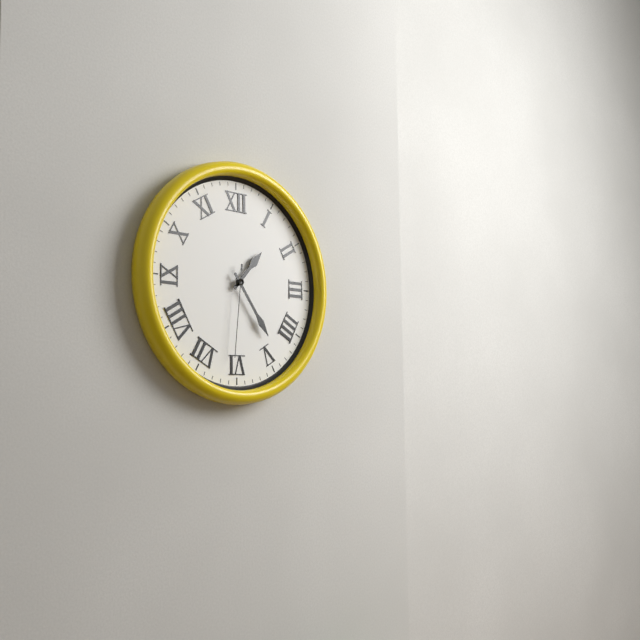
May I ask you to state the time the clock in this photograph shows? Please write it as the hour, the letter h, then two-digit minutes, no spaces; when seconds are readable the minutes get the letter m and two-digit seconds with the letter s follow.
1h24m31s
